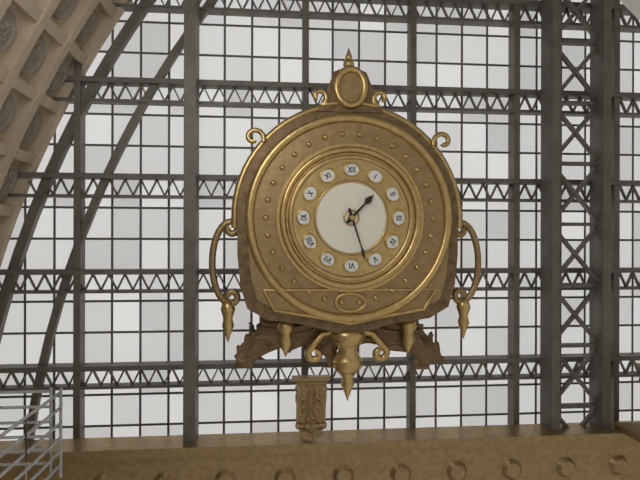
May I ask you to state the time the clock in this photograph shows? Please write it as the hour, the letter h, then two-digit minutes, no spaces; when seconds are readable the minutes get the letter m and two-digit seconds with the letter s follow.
1h27
